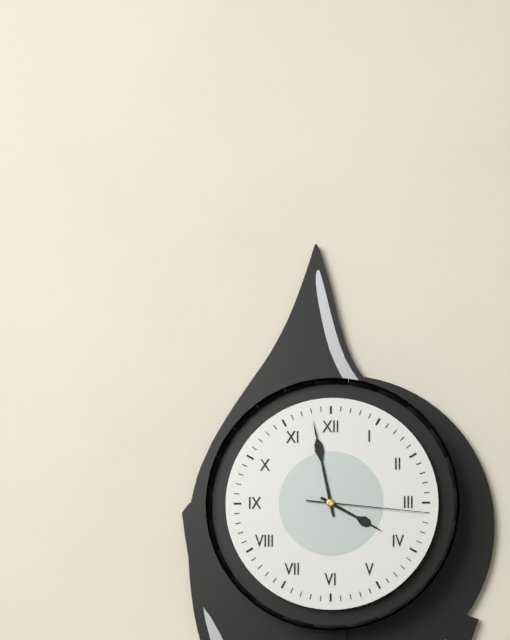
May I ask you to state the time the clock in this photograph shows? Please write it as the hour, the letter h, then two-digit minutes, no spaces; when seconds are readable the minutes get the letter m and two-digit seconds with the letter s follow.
3h58m16s
